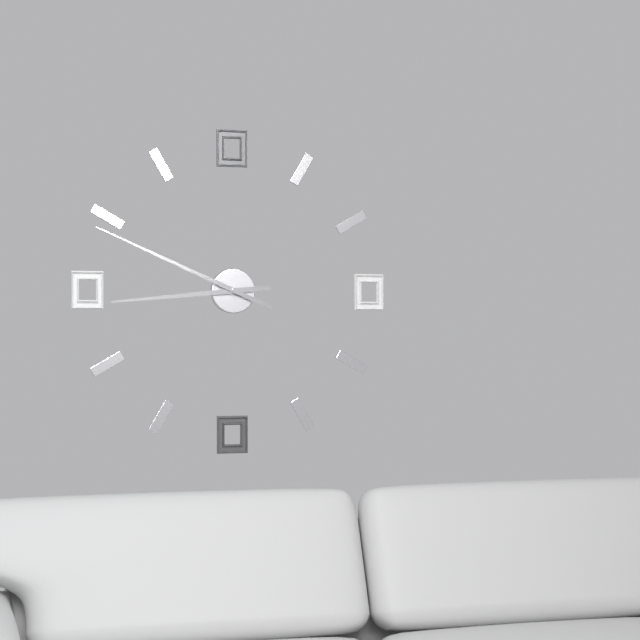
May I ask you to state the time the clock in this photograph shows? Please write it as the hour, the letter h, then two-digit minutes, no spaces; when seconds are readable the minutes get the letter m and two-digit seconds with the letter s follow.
8h49
